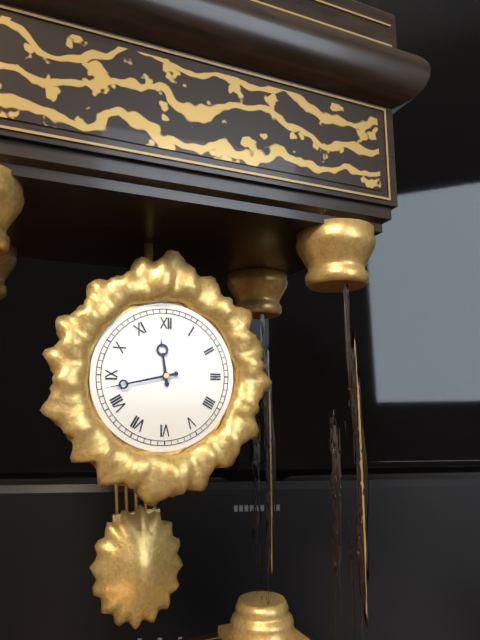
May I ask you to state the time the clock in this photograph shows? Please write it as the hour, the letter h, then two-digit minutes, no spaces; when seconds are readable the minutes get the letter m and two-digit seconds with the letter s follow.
11h43
